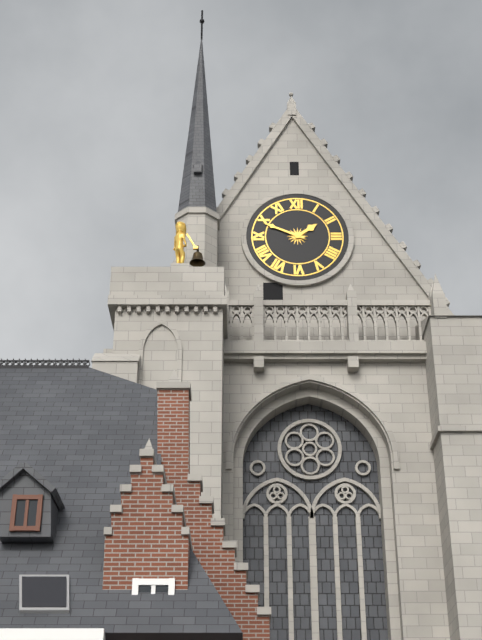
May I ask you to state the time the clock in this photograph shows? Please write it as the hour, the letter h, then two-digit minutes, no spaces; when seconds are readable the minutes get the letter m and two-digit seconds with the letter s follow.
1h49
